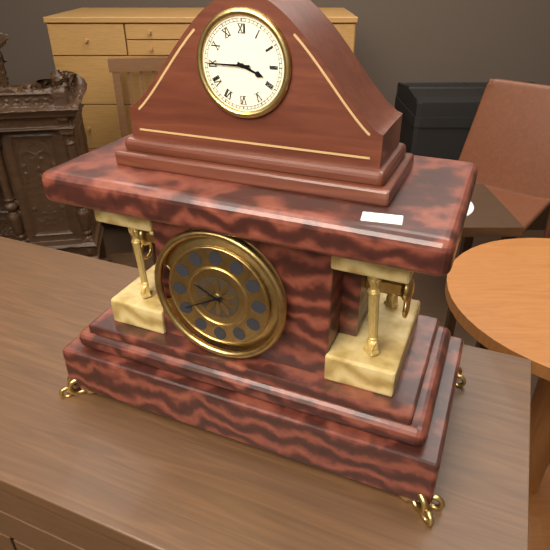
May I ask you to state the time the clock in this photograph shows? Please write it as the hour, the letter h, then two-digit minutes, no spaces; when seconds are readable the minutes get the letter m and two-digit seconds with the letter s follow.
3h45
